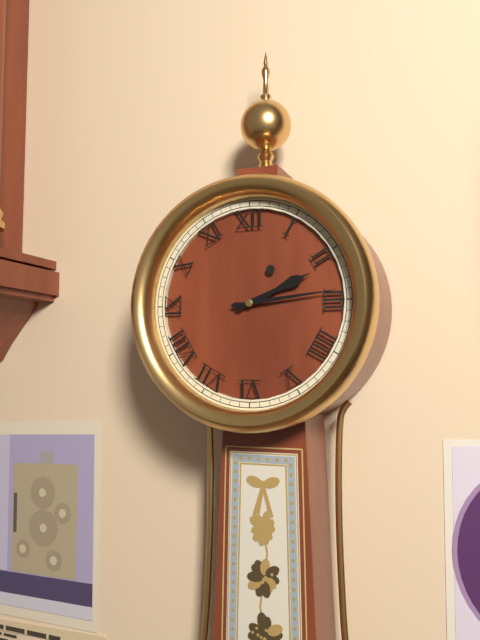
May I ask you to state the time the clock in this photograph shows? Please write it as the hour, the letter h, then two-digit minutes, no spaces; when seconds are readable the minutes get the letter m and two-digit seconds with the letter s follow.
2h14
